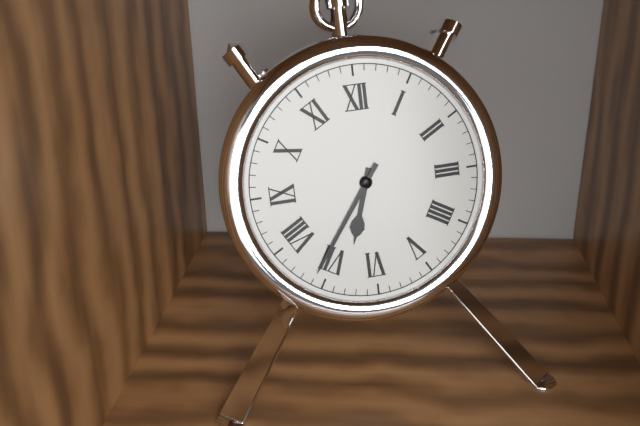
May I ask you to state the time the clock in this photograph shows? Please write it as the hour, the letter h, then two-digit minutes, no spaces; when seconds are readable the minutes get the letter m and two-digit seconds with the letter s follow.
6h36
